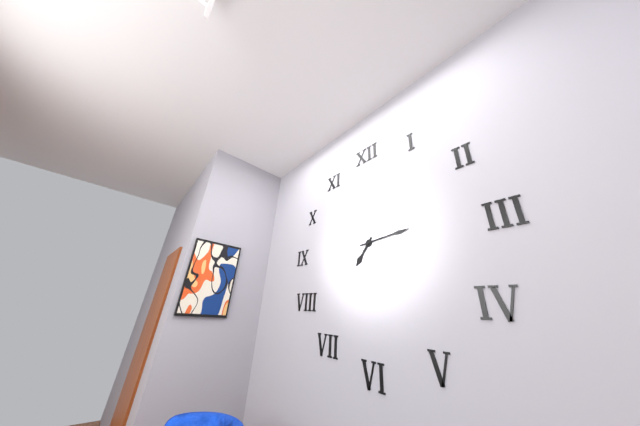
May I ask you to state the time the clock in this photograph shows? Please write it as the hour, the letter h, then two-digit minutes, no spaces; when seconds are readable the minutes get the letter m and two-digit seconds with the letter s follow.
7h14
